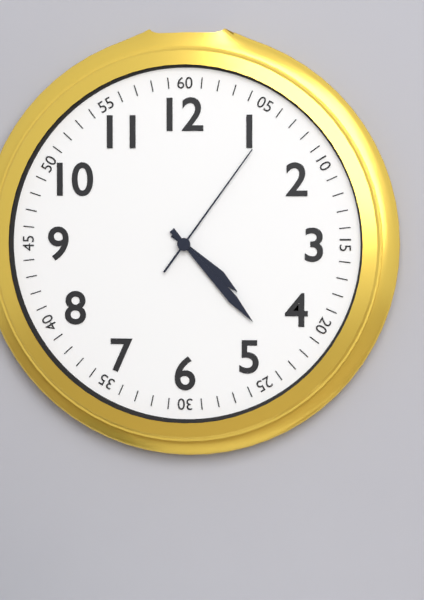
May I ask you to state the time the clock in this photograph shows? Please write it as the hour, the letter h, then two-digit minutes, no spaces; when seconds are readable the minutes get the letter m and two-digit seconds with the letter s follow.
4h23m06s
